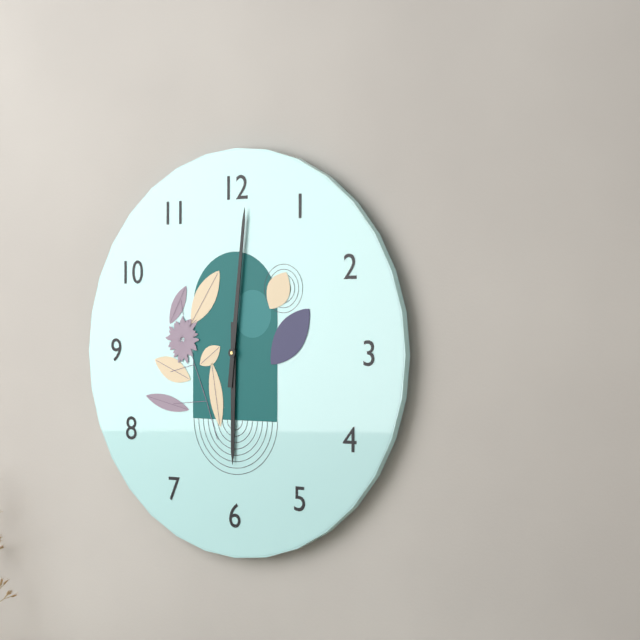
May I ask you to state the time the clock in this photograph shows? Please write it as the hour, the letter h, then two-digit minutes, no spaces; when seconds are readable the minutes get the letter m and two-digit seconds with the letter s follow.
6h01
